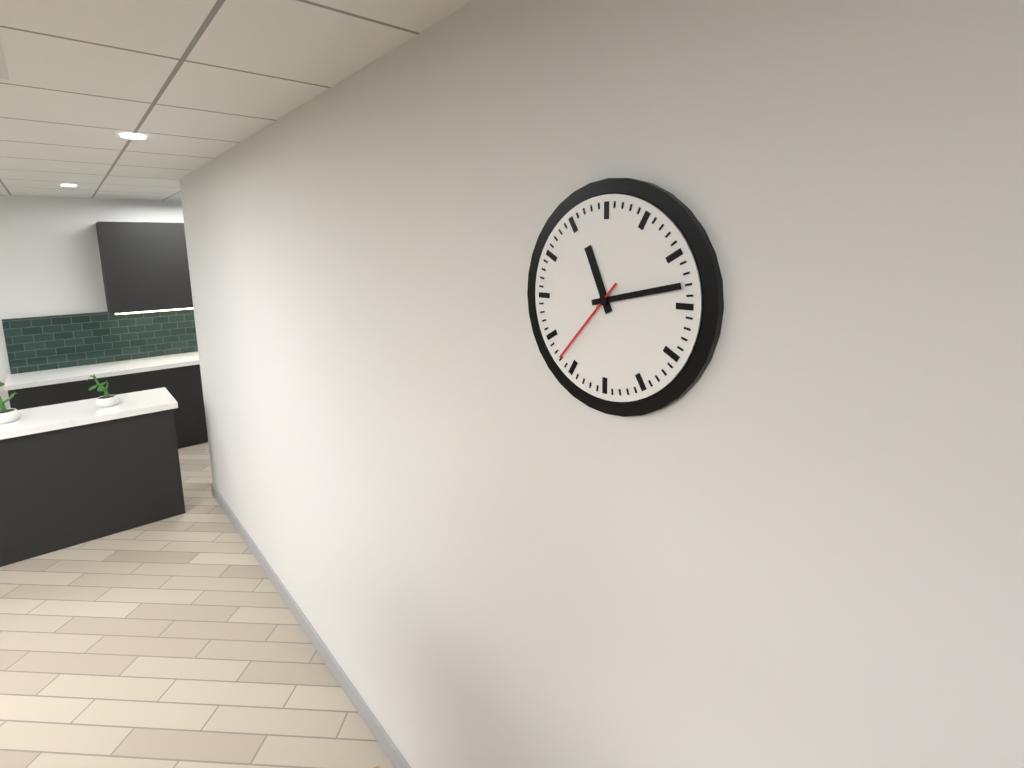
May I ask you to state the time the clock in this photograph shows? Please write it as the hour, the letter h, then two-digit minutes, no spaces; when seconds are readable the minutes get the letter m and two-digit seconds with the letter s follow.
11h13m37s
